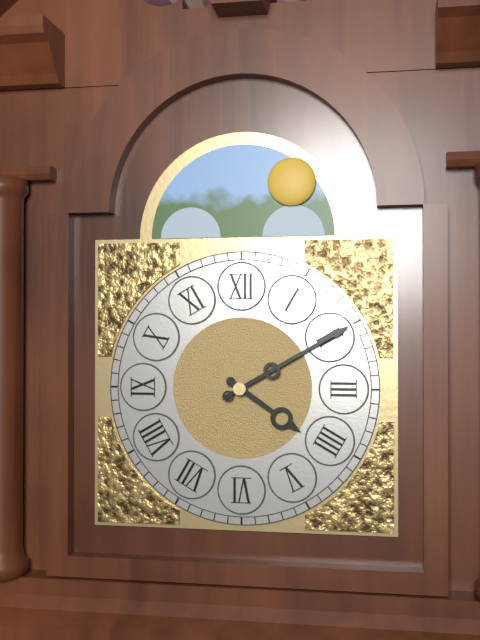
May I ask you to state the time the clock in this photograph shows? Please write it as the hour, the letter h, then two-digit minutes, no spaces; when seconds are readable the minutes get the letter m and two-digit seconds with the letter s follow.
4h10
